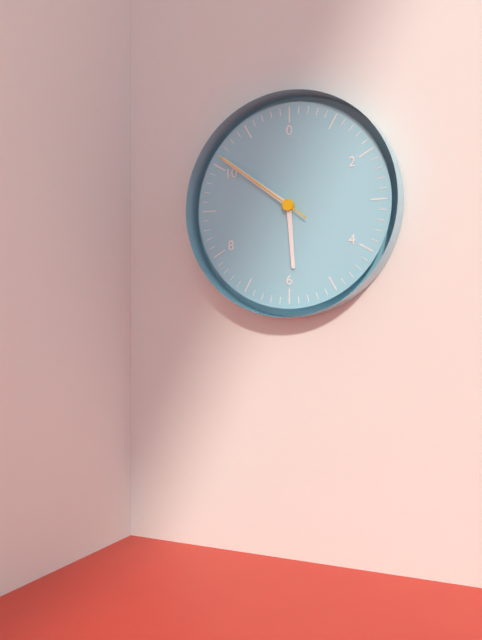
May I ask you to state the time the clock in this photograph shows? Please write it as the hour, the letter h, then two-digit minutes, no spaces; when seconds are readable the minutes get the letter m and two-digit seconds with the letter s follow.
5h51m51s
